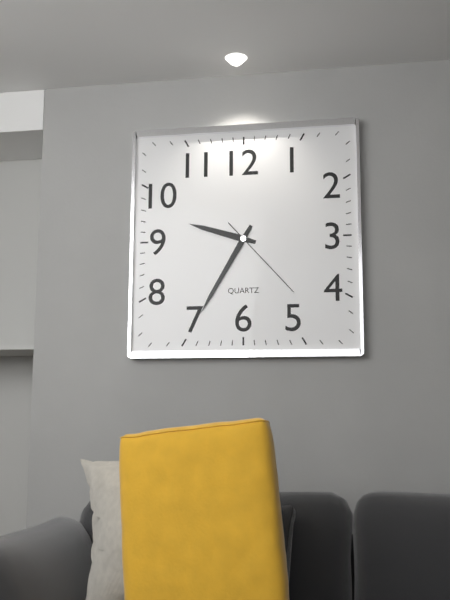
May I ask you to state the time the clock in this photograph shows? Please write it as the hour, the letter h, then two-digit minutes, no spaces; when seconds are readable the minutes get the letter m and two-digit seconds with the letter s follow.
9h35m23s
